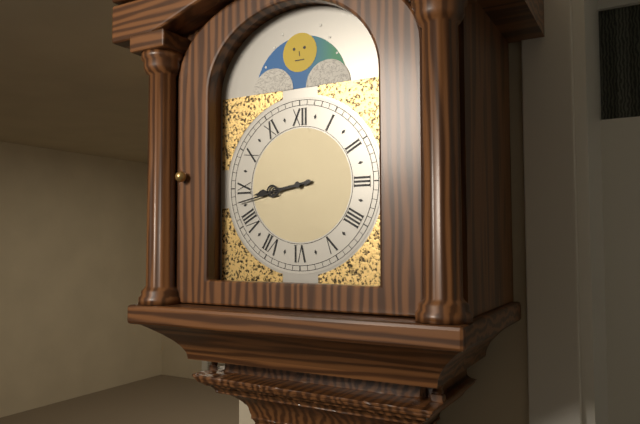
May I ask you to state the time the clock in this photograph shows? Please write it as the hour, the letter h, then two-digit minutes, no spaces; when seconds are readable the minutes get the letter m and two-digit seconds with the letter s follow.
8h43
